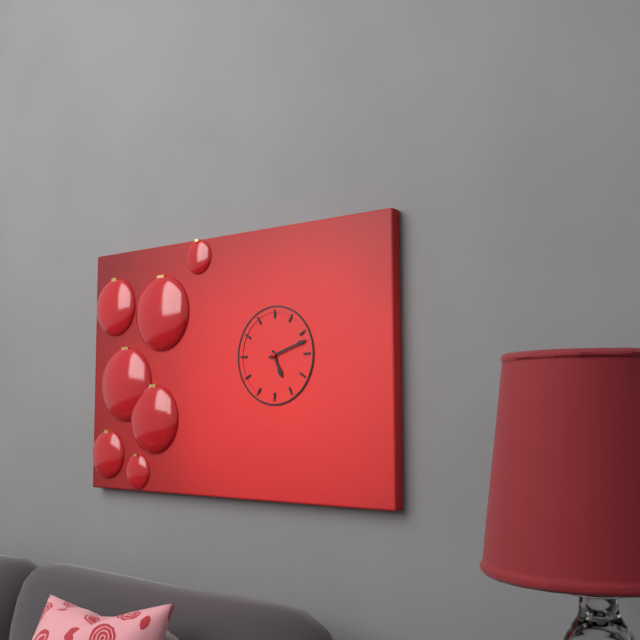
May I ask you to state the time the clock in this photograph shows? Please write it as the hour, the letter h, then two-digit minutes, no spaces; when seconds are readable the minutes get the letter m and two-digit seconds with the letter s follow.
5h12
